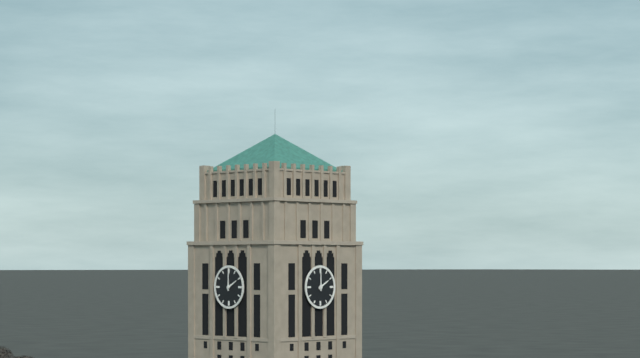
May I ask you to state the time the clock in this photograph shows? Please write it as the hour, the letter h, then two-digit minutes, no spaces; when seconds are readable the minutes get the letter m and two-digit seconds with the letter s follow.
2h00
